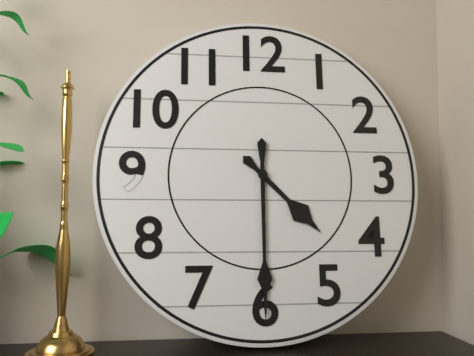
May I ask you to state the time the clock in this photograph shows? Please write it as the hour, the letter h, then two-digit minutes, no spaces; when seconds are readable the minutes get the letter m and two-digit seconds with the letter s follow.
4h30
